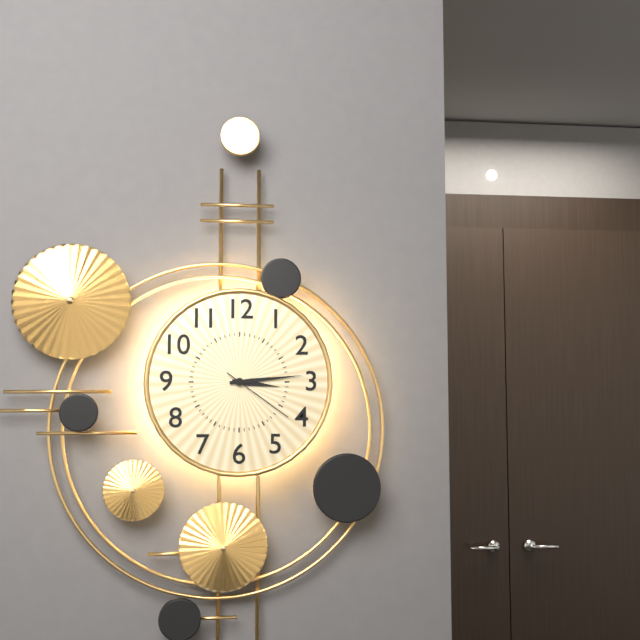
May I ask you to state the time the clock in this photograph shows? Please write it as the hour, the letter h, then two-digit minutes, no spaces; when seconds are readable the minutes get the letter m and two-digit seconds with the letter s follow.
3h14m21s
